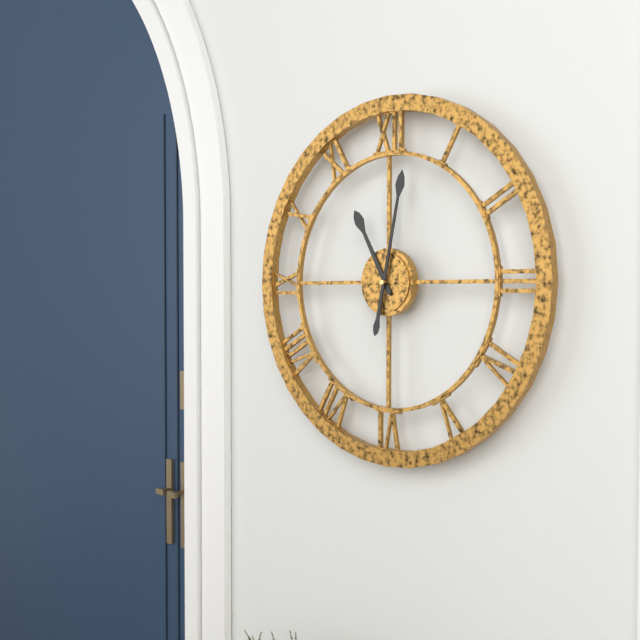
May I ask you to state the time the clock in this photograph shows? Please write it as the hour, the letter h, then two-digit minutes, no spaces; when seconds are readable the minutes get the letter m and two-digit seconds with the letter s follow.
11h02
